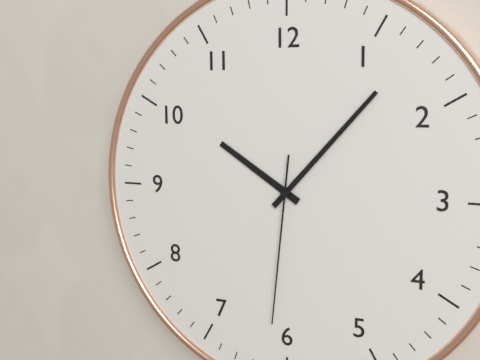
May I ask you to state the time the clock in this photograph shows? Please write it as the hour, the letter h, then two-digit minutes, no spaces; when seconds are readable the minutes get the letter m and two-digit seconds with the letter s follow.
10h07m31s
